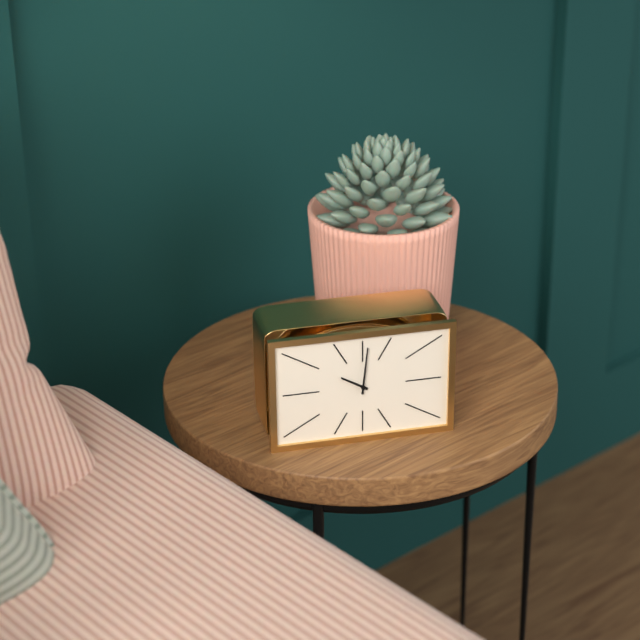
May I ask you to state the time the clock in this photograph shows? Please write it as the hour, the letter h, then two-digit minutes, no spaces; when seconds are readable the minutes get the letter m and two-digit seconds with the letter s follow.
10h01
